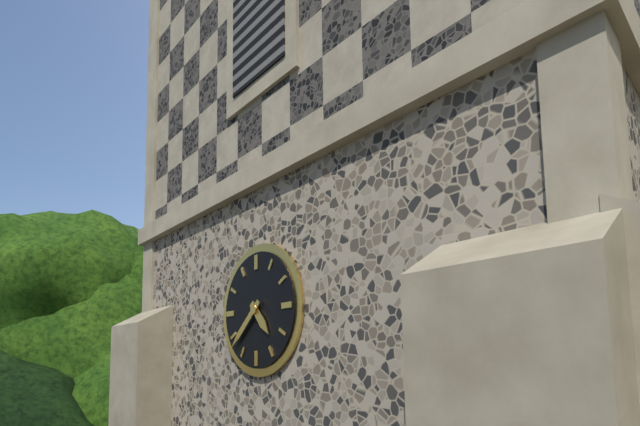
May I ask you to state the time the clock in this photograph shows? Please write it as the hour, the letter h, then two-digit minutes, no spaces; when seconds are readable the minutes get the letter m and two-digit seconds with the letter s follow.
4h38
